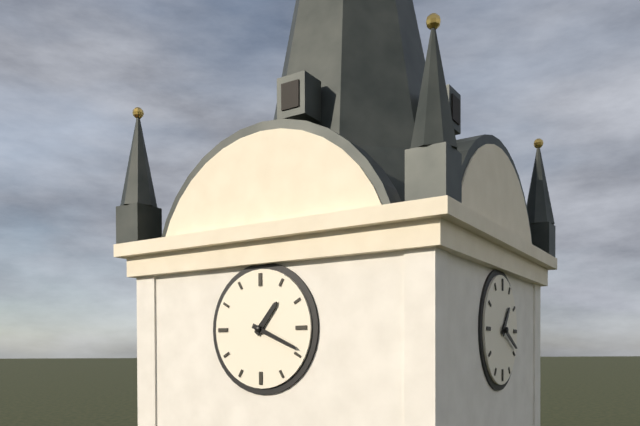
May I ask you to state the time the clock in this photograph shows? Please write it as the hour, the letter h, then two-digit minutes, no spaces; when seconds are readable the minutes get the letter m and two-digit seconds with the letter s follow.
1h19
